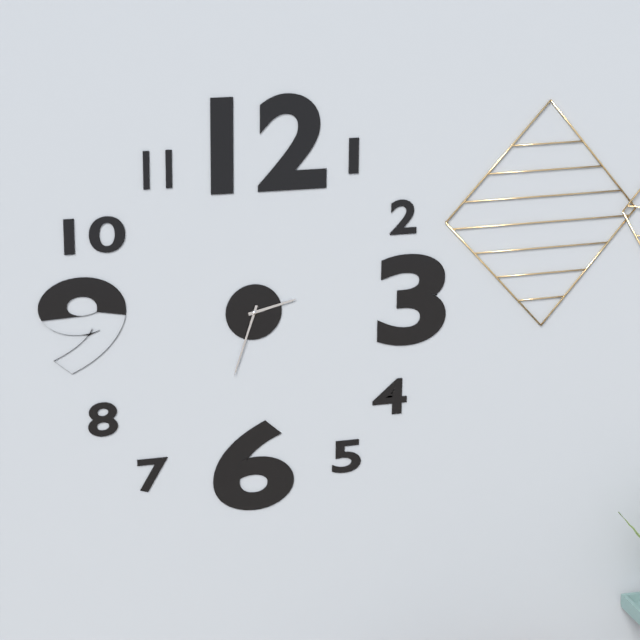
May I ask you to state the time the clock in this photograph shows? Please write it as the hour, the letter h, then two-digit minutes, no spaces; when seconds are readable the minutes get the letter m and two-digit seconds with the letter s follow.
2h33
